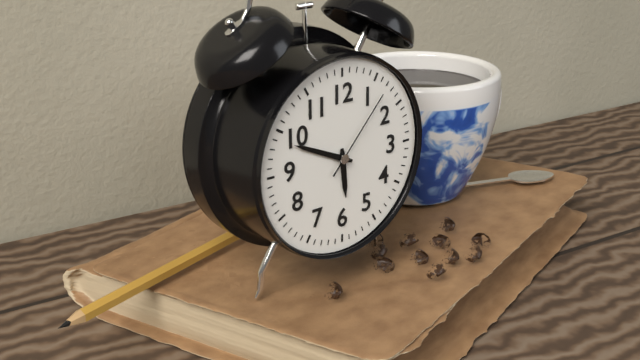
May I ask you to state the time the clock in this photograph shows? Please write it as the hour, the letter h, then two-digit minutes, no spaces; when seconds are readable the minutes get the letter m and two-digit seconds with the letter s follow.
5h49m07s
